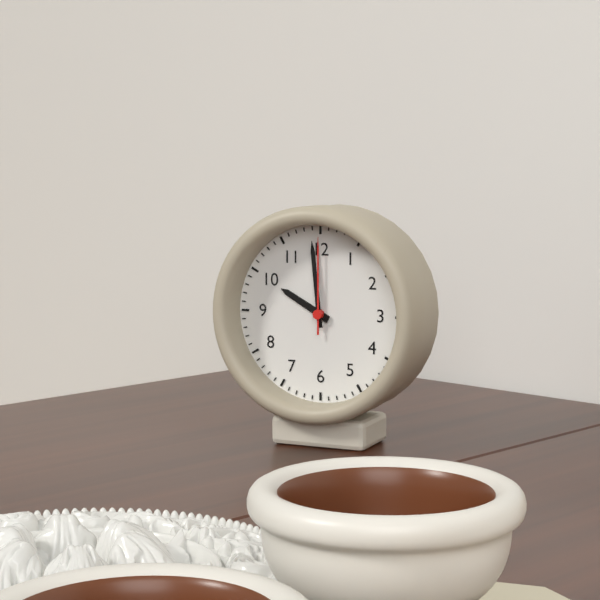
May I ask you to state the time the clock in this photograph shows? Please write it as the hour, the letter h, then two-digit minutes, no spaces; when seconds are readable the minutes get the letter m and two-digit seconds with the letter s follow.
9h59m00s
